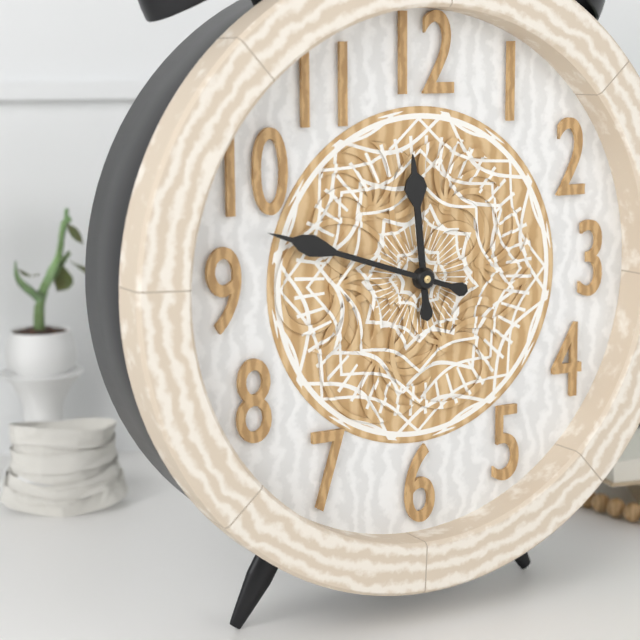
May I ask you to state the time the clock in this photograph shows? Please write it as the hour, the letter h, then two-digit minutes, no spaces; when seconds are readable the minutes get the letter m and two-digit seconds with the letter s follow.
11h48
